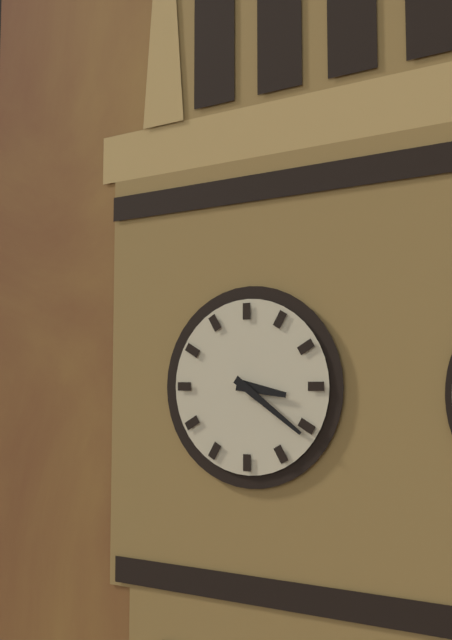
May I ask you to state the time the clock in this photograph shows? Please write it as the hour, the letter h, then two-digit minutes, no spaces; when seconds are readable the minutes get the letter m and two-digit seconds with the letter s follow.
3h21
